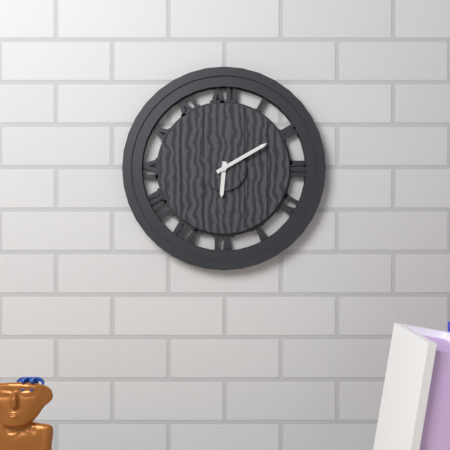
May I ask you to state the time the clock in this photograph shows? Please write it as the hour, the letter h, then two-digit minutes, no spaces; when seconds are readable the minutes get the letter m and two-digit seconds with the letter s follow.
6h10
